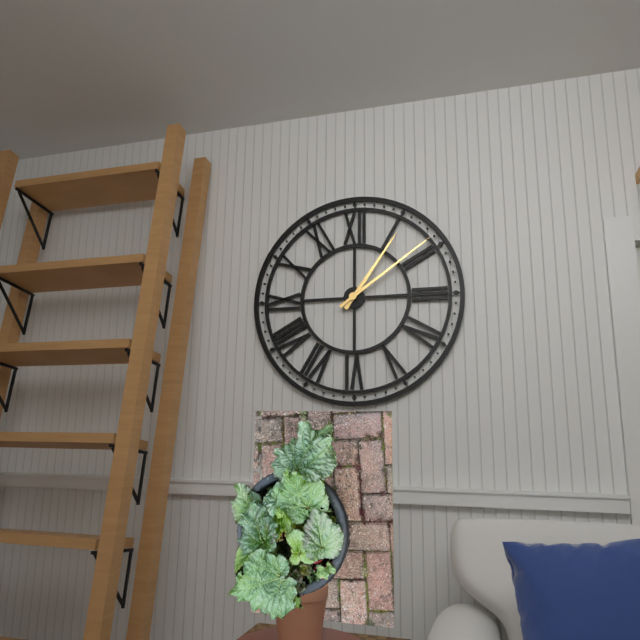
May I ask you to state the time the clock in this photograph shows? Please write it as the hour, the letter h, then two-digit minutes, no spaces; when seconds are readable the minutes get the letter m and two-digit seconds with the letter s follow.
1h09
